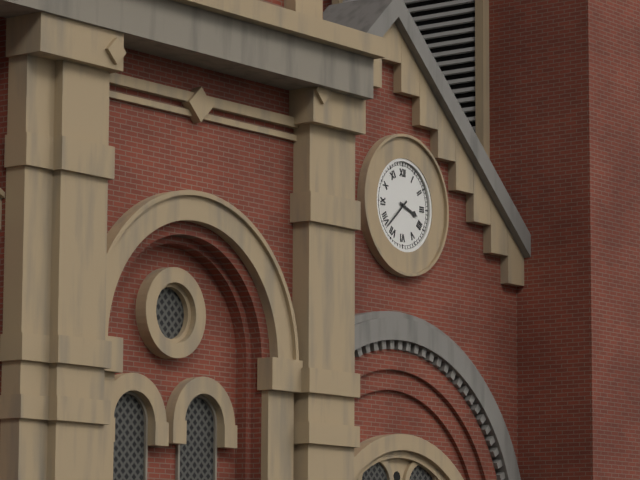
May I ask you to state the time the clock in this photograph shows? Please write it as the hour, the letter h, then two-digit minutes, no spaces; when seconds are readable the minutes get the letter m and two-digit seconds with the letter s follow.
3h38
